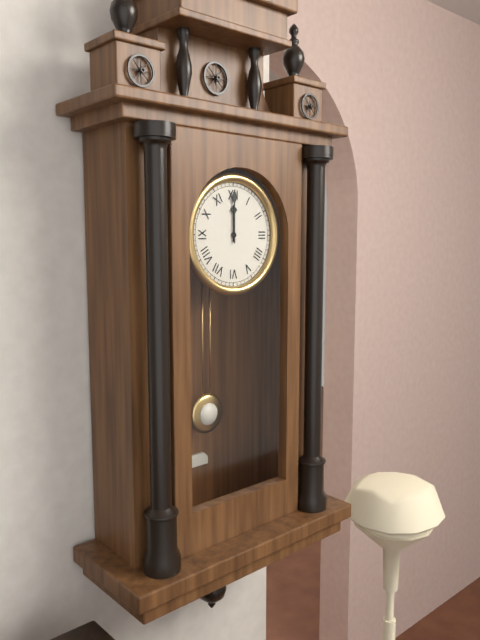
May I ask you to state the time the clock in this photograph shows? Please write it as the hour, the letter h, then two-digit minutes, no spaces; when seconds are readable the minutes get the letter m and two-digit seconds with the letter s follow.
12h00
